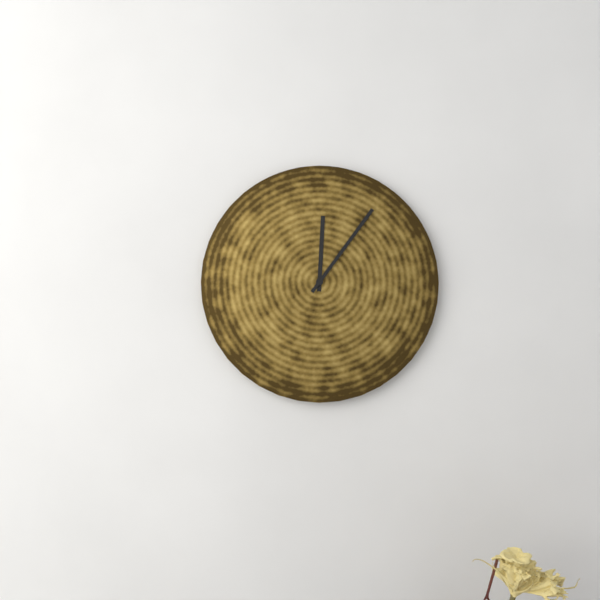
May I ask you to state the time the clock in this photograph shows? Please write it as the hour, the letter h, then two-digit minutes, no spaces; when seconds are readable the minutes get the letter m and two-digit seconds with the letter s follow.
12h06
